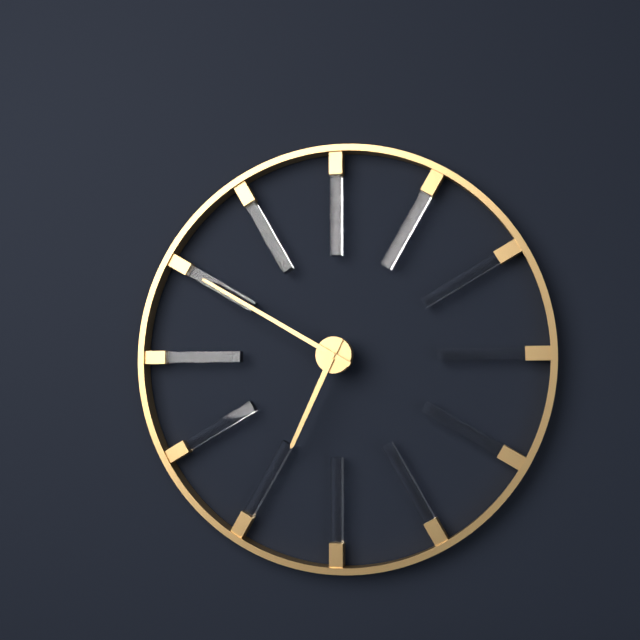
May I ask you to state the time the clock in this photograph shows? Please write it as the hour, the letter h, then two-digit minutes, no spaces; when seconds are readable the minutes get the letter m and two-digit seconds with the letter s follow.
6h50
